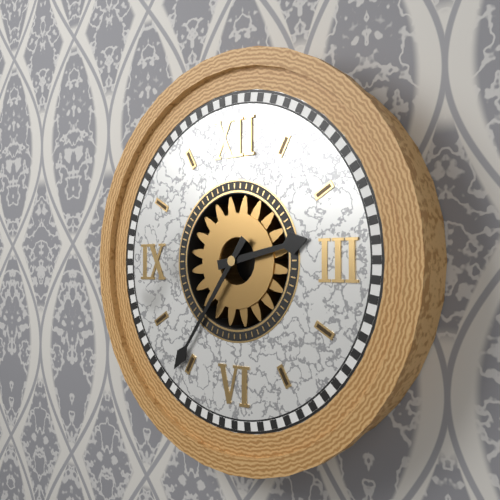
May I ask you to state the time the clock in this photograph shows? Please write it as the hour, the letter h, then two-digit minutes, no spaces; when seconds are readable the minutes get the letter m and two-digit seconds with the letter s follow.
2h36
